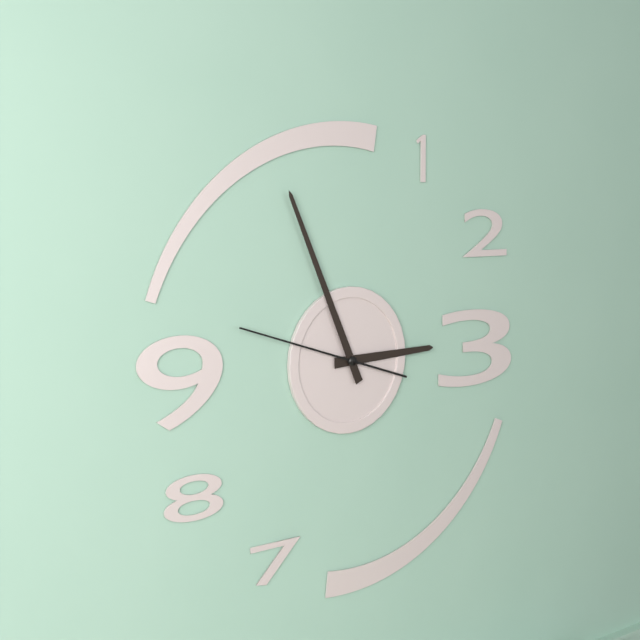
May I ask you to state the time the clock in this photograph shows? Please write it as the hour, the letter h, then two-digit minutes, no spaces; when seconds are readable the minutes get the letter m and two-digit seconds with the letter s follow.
2h56m48s
